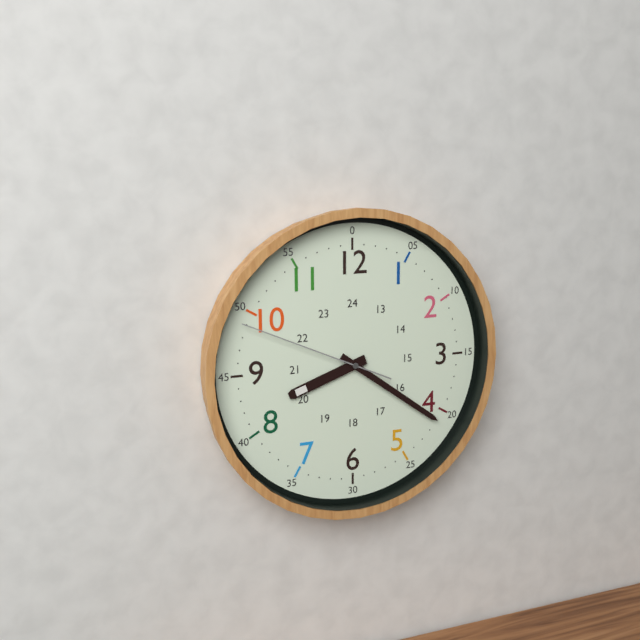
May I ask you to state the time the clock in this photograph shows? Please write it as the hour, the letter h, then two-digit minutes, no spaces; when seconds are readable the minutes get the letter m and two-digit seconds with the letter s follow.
8h21m49s
